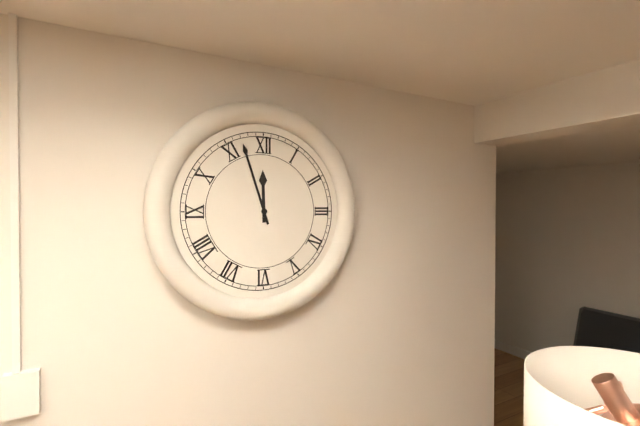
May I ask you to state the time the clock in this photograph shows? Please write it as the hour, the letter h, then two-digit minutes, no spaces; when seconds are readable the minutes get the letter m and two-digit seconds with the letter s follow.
11h57
